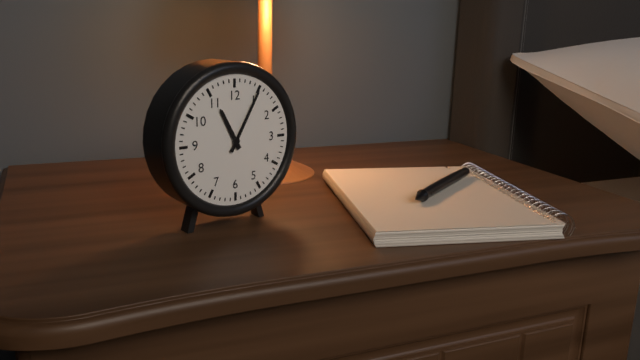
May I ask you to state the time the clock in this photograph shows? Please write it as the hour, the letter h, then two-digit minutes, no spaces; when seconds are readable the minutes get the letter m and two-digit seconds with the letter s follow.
11h05
